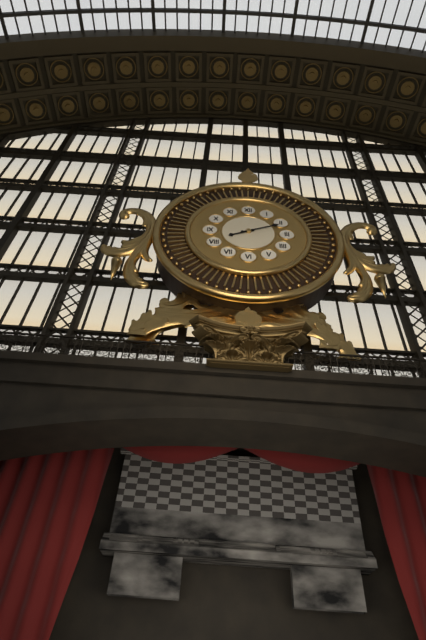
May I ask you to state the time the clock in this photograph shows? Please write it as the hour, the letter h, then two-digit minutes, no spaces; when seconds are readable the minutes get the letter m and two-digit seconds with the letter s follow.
8h11
